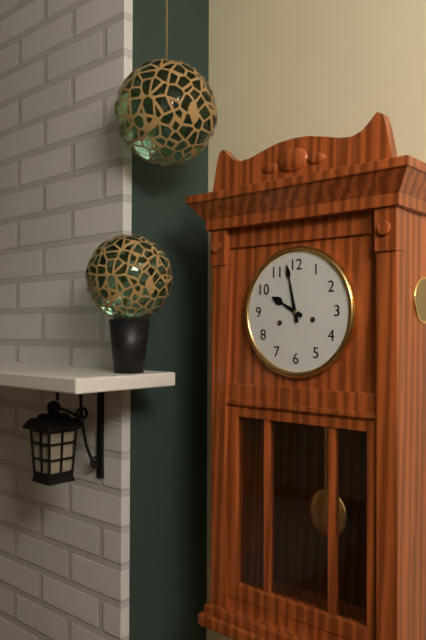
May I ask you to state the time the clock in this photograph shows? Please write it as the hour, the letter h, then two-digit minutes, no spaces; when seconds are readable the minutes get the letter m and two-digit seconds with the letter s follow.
9h58
